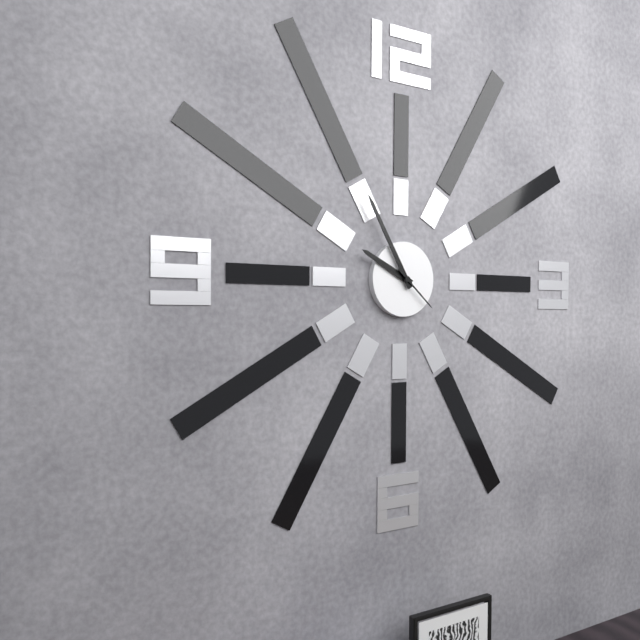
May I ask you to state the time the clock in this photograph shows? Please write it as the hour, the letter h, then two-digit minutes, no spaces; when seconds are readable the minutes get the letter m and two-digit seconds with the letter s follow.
9h55m22s
